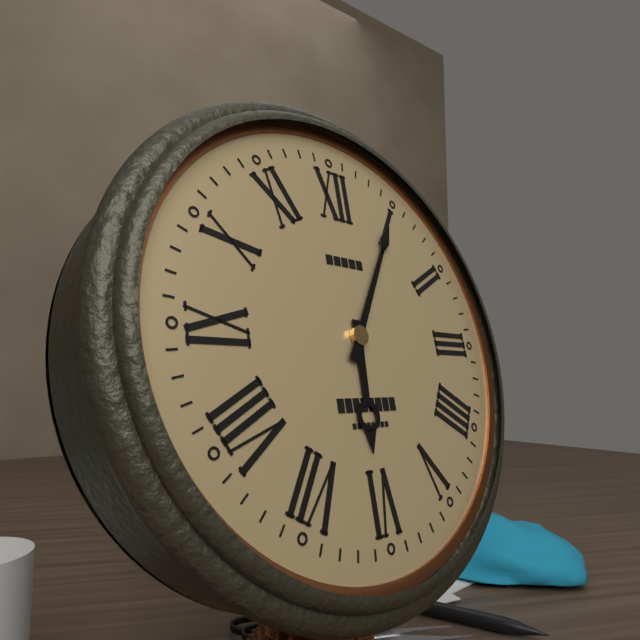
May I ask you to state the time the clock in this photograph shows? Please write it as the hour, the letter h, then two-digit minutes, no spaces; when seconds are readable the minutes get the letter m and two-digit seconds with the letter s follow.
6h05
